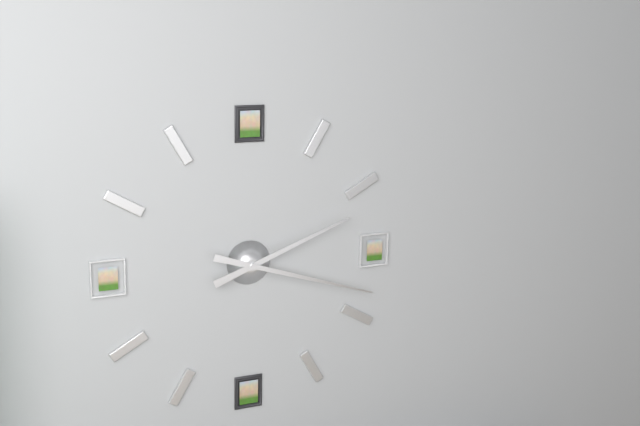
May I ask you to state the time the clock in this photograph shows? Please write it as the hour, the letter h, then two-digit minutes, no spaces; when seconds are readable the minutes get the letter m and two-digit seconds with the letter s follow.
2h18
